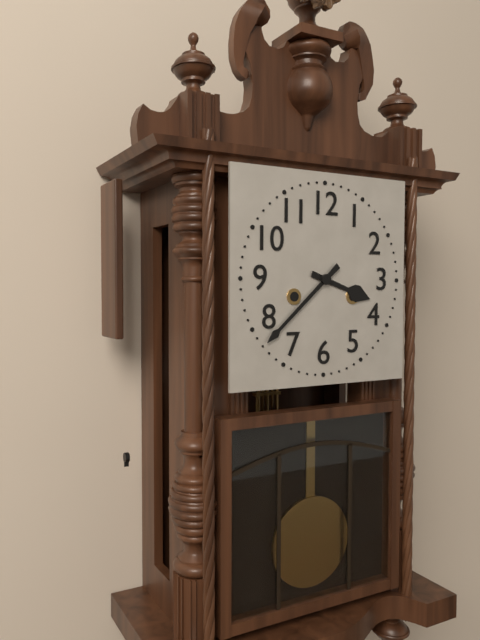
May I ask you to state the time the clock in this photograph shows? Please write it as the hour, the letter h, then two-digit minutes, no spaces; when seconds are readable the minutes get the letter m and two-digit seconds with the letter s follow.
3h38
